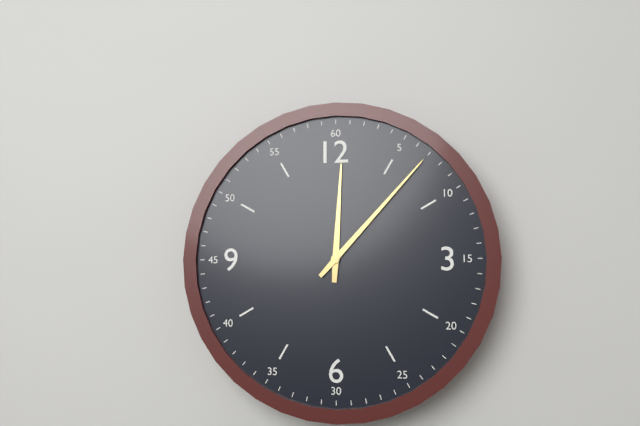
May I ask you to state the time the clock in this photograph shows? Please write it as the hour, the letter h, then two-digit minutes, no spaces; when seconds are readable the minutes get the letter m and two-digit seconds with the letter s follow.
12h07
